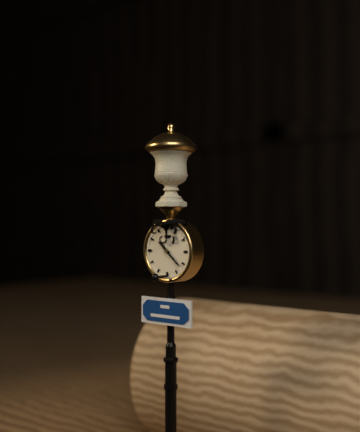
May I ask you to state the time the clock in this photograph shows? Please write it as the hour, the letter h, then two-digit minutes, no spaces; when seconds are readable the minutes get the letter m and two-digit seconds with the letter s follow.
10h22
